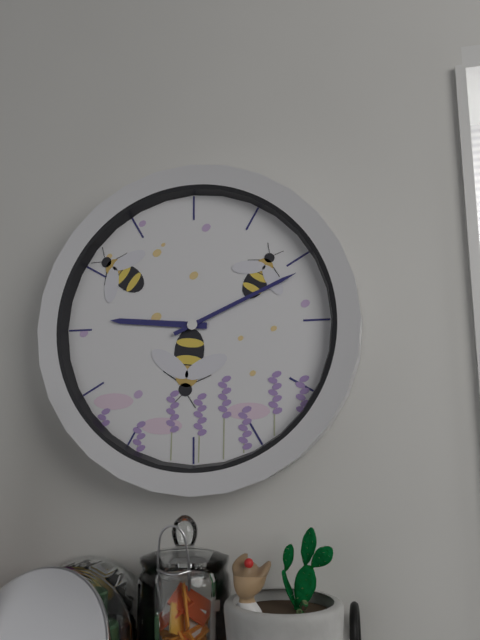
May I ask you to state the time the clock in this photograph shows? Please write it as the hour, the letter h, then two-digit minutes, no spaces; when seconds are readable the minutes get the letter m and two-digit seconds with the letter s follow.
9h11
